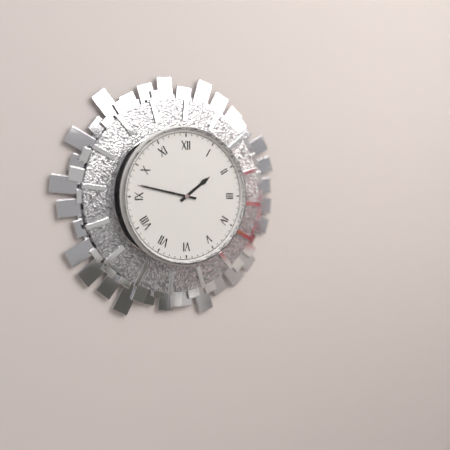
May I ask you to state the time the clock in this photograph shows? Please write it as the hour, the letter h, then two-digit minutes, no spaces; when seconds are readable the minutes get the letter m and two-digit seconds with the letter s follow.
1h47
